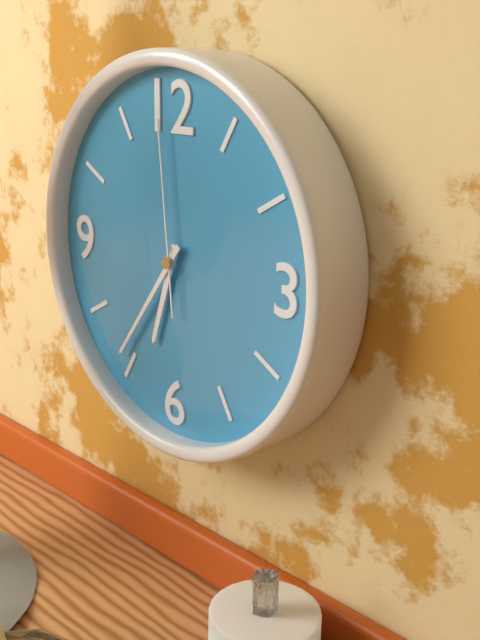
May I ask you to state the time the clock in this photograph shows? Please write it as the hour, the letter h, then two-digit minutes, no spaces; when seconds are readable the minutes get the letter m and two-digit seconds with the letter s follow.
6h36m59s
